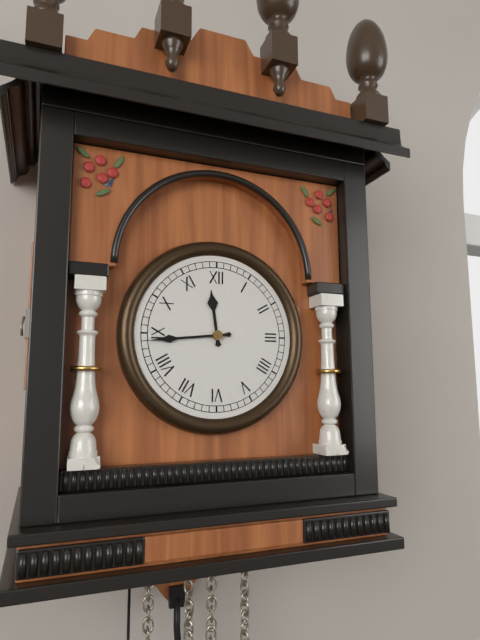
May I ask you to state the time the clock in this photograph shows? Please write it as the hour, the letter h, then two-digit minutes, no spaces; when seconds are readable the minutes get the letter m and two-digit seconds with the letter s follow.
11h44
